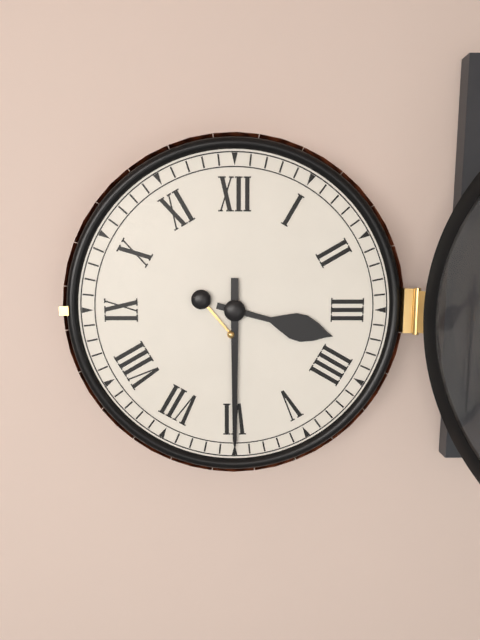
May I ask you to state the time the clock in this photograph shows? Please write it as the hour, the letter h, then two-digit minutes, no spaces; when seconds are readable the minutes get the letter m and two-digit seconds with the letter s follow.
3h30
